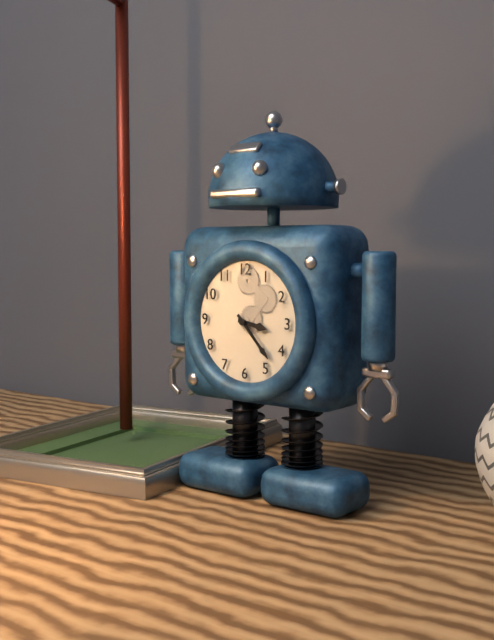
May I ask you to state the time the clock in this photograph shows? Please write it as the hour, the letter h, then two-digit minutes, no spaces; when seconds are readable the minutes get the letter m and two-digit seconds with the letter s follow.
3h23
